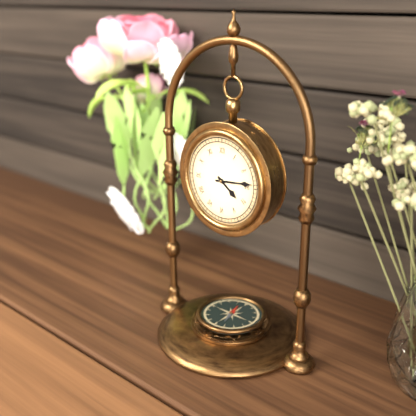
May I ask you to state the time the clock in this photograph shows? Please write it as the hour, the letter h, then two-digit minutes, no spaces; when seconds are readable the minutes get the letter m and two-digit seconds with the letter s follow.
4h14
